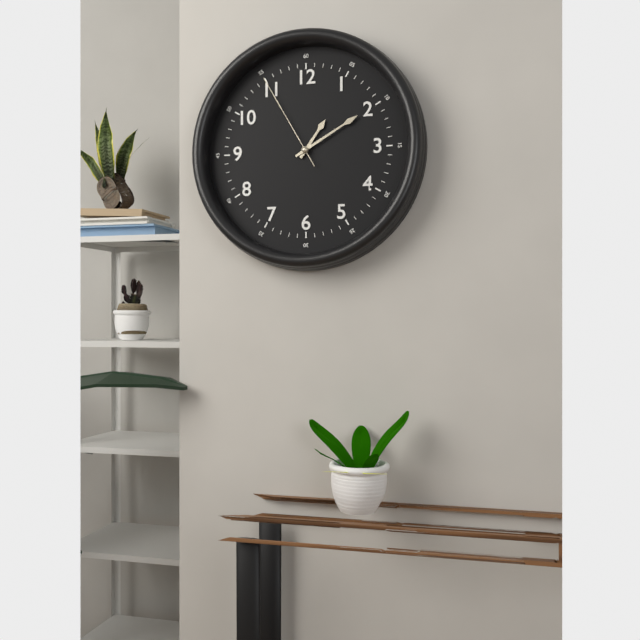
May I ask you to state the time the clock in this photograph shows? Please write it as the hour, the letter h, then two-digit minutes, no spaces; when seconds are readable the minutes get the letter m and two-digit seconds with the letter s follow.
1h10m55s
